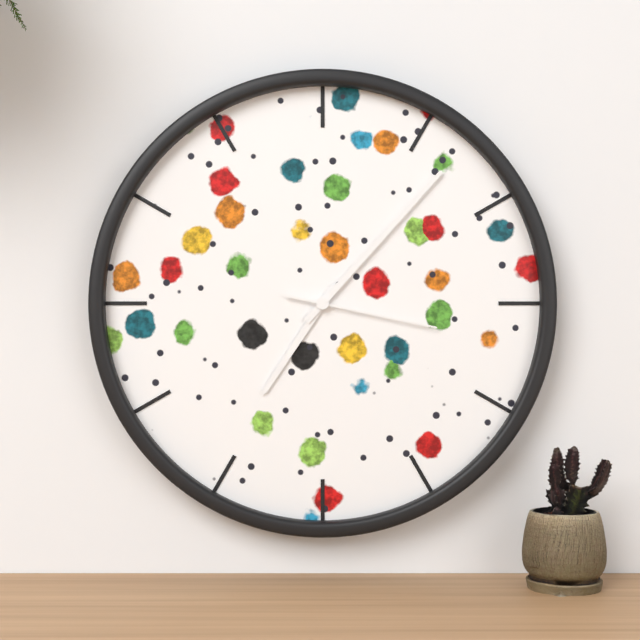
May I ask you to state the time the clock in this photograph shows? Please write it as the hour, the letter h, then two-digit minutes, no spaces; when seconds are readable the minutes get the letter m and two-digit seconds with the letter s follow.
7h07m17s
